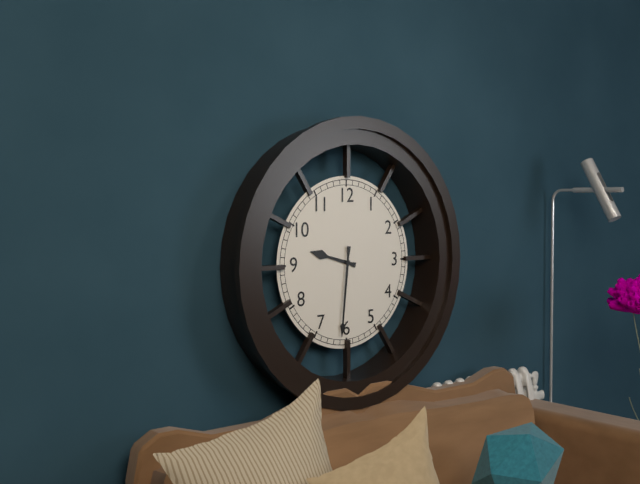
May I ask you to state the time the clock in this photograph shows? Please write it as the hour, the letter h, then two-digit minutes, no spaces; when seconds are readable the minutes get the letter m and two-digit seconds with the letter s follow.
9h31
